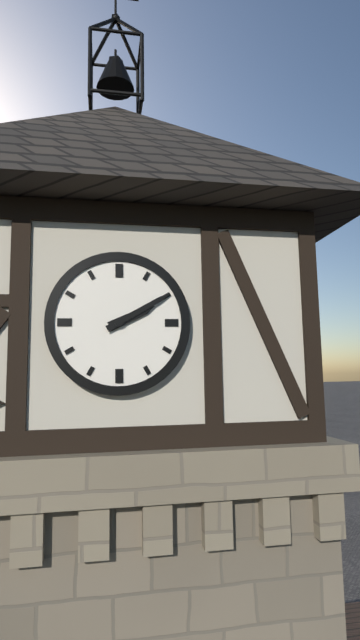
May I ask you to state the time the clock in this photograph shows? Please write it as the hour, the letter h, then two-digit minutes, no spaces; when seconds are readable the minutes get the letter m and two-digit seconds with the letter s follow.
2h10
